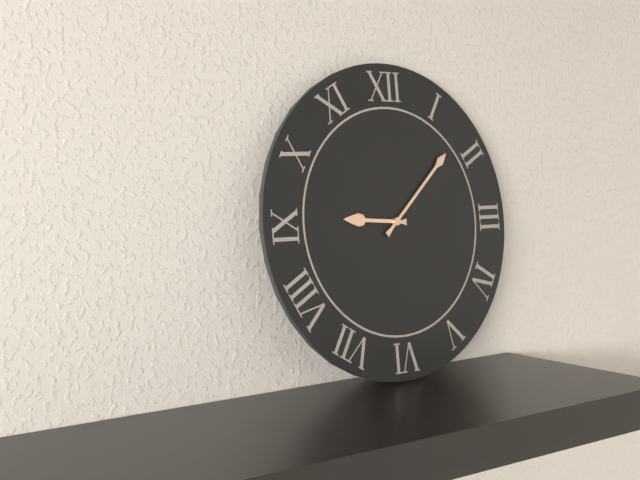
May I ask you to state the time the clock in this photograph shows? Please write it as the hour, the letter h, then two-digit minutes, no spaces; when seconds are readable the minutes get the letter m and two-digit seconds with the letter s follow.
9h08
